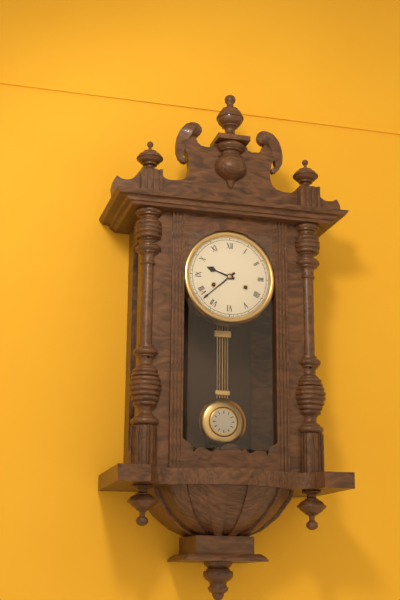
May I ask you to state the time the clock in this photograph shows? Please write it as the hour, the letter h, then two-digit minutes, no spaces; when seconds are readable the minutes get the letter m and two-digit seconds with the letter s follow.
9h38
